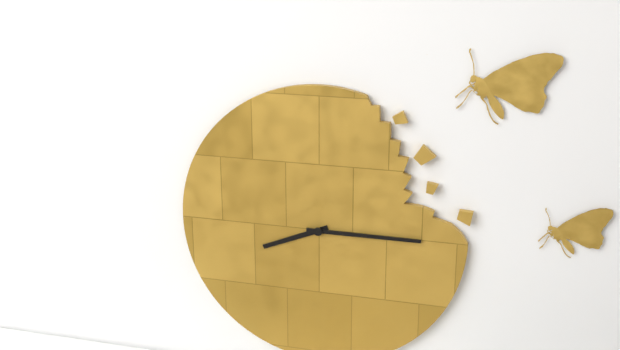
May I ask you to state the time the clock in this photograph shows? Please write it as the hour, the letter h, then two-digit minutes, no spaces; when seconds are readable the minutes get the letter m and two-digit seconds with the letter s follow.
8h15
